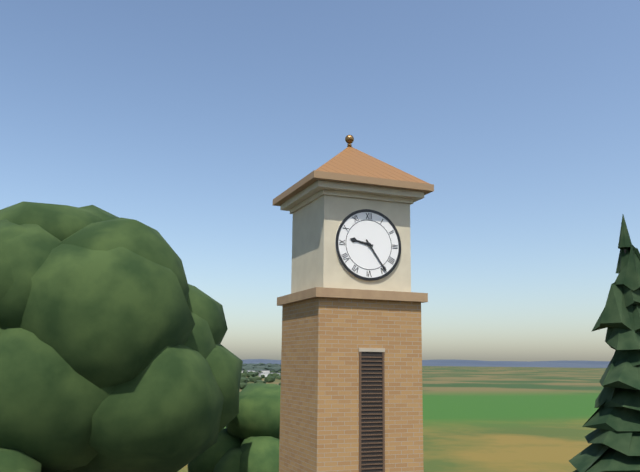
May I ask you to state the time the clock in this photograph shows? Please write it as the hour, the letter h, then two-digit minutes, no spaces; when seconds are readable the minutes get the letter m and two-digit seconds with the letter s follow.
9h24
